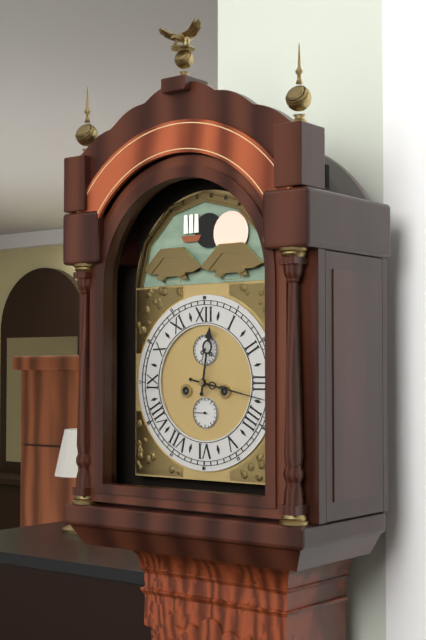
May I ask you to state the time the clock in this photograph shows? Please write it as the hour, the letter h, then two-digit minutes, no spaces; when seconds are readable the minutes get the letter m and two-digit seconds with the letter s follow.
12h17
